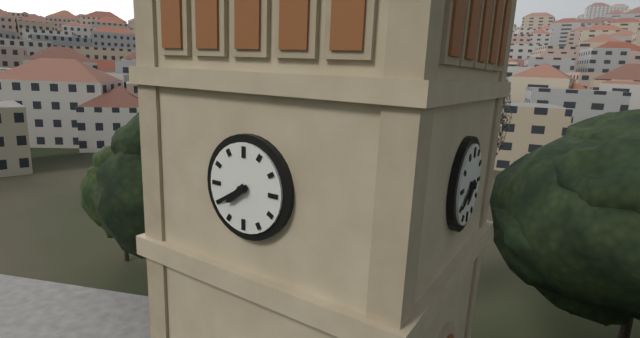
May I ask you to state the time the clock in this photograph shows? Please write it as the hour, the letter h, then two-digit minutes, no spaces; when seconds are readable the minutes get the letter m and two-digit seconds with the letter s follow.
7h40
